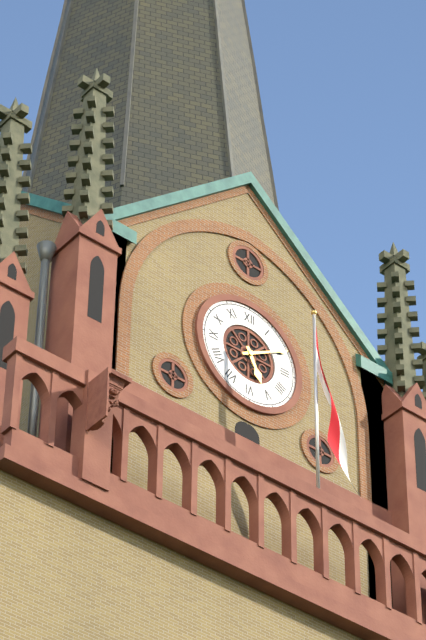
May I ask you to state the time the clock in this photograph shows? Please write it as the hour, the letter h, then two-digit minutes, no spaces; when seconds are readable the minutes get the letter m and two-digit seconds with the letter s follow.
5h10
